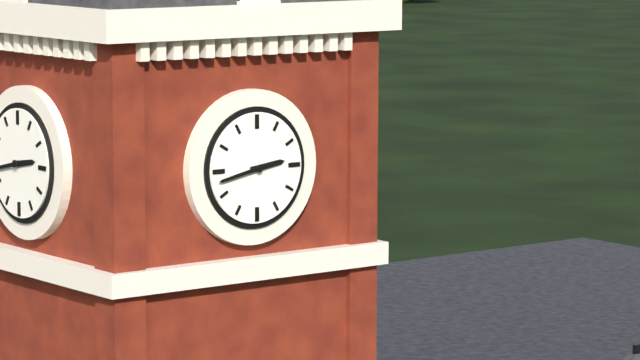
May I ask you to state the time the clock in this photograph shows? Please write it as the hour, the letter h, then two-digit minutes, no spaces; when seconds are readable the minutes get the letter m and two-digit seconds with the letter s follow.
2h43
